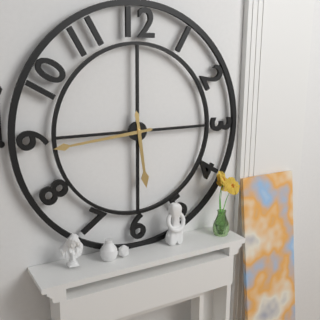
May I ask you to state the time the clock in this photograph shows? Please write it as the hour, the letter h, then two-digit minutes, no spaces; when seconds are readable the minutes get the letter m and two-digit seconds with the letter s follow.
5h44
